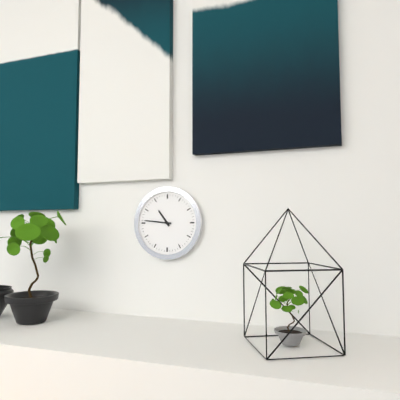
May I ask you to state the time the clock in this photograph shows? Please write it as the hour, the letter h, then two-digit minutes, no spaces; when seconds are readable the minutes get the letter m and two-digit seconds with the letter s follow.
10h46
